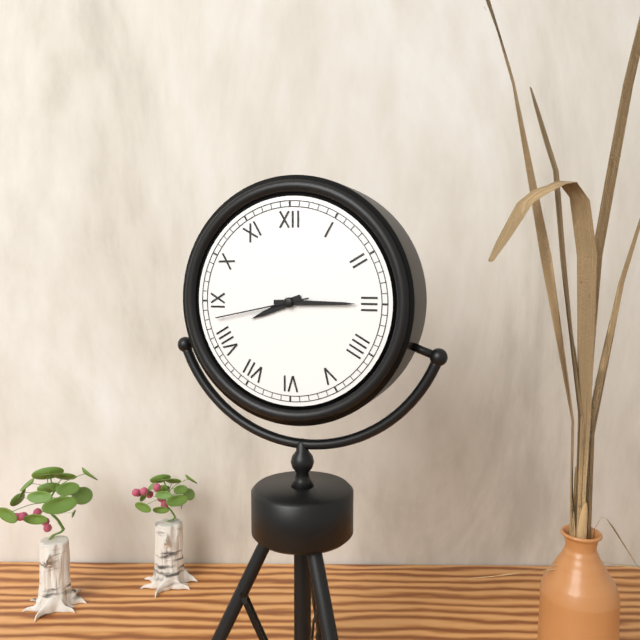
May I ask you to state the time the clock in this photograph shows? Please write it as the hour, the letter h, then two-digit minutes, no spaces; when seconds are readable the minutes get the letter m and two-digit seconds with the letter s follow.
8h15m43s
